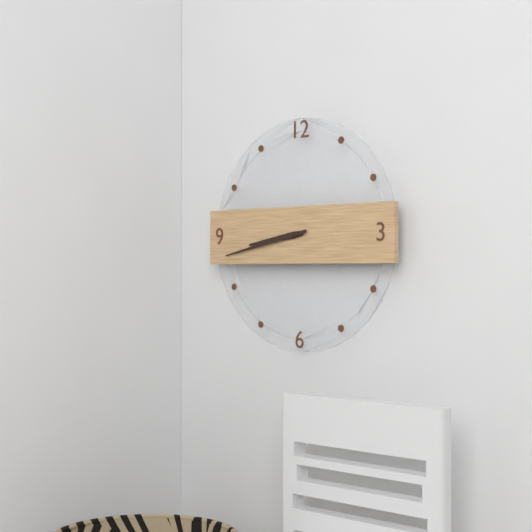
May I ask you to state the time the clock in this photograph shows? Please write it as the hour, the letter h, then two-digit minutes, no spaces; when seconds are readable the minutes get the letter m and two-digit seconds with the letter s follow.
8h43
